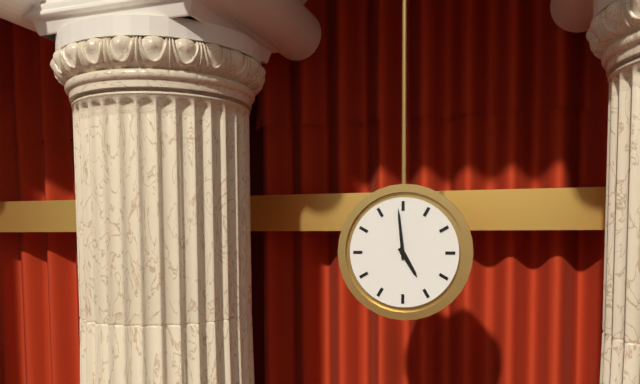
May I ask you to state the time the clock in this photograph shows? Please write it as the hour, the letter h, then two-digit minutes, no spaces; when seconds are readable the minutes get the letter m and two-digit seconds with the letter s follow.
4h59
